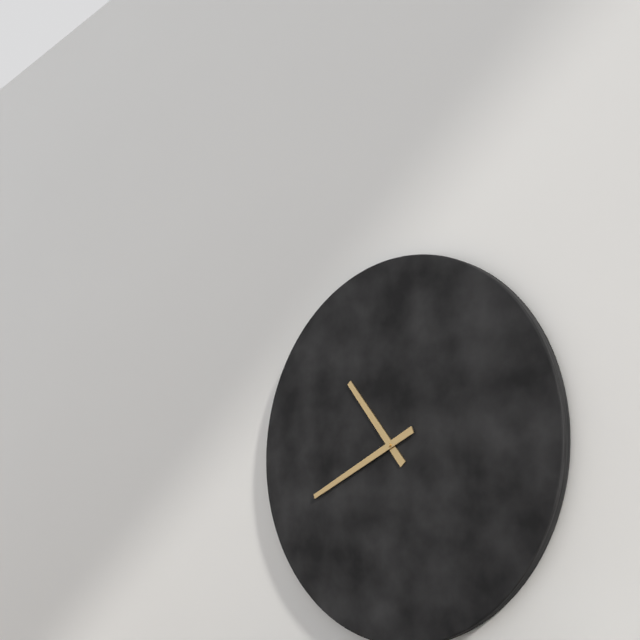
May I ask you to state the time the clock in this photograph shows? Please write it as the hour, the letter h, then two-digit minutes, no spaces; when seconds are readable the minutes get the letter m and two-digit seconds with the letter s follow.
10h41
